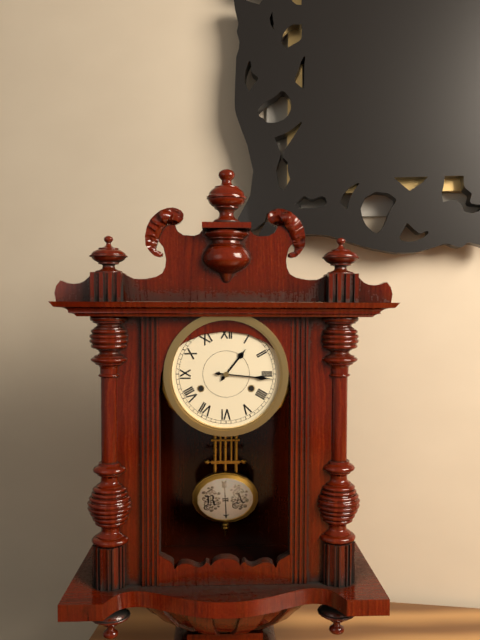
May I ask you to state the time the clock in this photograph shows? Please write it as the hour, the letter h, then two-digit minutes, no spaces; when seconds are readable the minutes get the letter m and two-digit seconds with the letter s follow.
1h16
